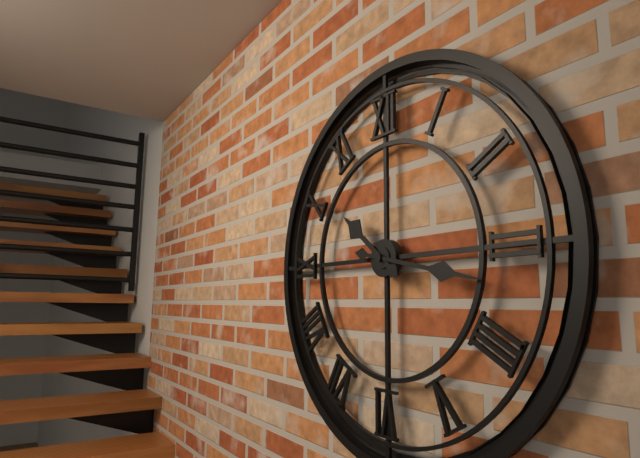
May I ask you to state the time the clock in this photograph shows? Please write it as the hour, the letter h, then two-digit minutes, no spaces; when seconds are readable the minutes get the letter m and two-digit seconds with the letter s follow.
10h17
